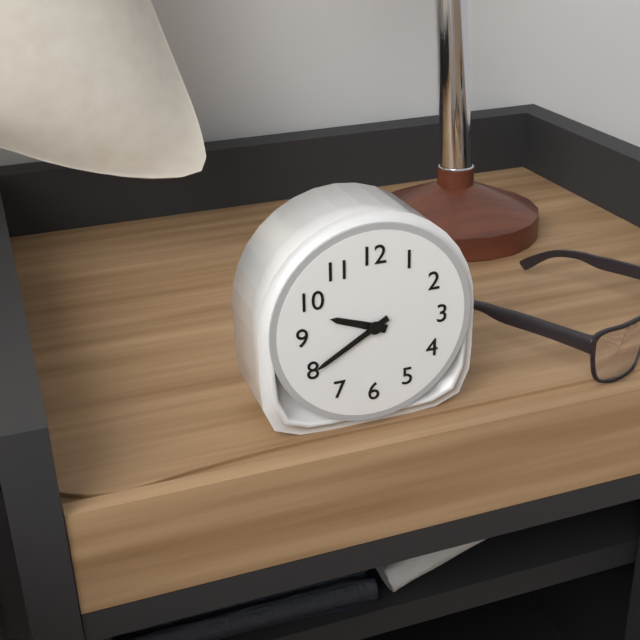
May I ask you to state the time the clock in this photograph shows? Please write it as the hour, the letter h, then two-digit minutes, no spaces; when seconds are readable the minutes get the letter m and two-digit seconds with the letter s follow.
9h40
